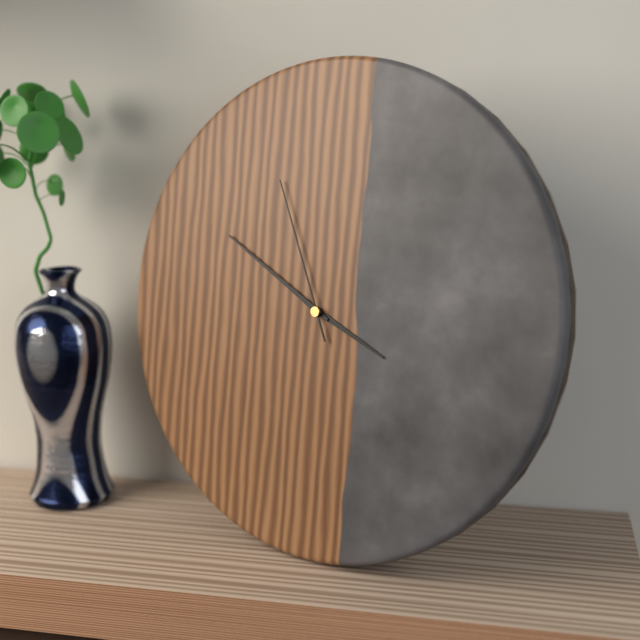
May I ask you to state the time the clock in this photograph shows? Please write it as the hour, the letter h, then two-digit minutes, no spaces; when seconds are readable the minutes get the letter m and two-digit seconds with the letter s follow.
3h50m56s
